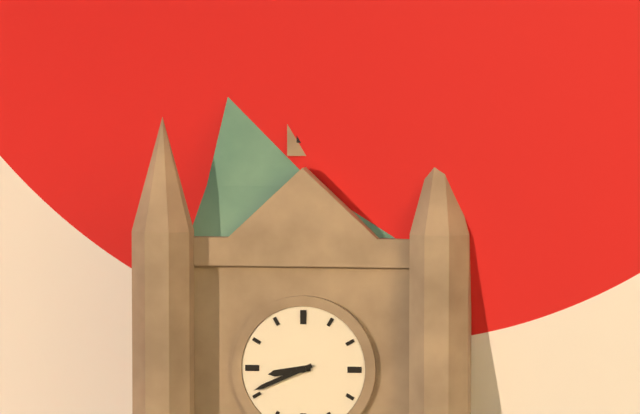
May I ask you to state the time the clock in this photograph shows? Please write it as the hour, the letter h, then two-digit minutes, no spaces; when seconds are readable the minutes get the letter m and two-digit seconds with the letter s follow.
8h41
